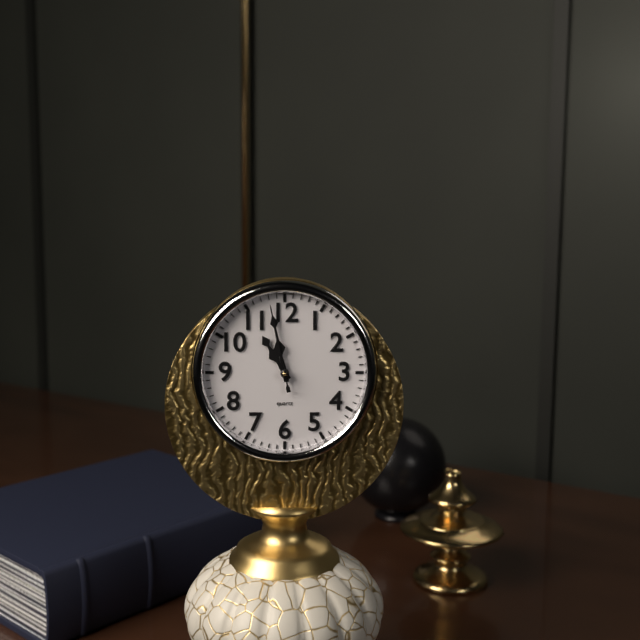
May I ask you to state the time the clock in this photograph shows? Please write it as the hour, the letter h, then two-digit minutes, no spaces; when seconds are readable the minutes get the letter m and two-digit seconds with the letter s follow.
10h58m58s
